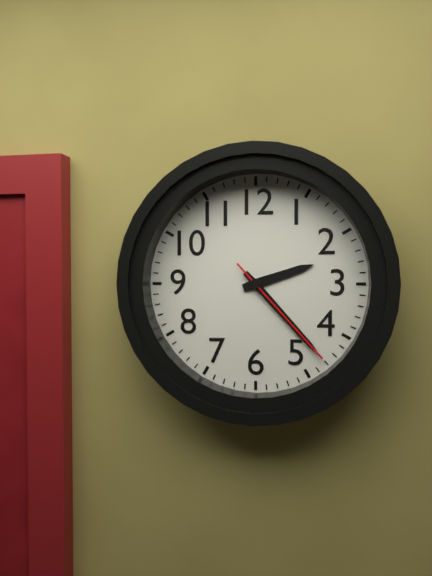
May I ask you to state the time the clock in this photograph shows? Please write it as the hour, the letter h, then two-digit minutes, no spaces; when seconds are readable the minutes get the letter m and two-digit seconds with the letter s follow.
2h23m23s
